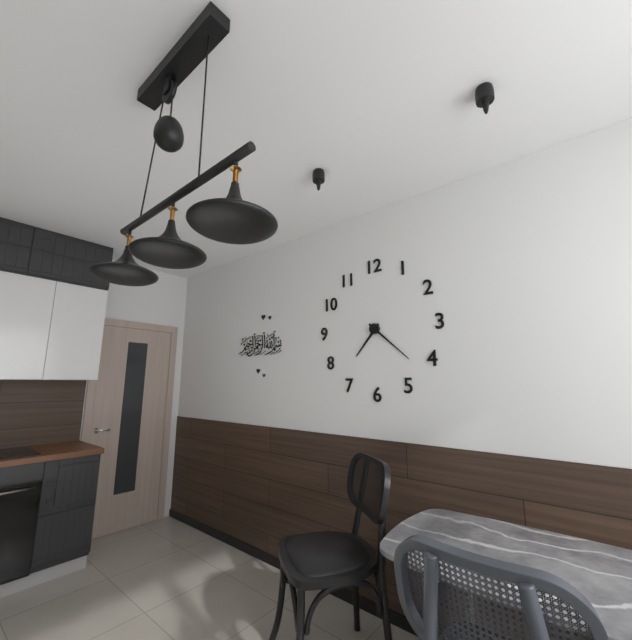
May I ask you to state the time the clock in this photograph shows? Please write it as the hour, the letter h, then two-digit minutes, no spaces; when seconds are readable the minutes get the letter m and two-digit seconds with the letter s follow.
7h22
